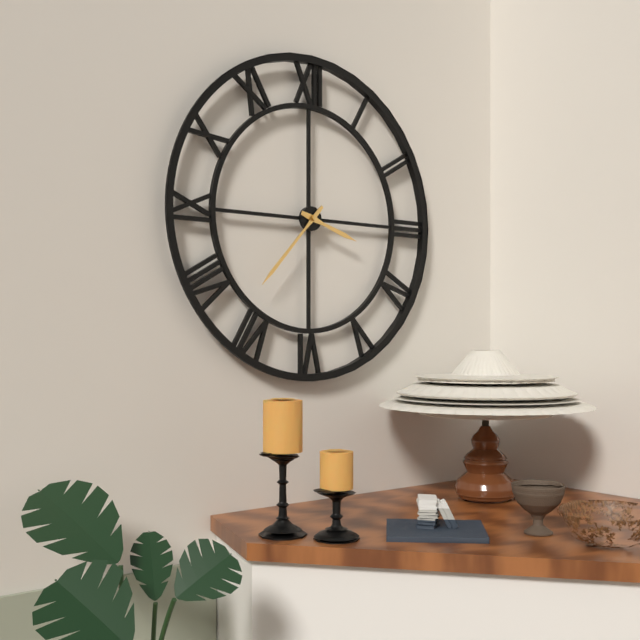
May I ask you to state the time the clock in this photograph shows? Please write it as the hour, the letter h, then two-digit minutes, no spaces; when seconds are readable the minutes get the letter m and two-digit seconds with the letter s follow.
3h37
